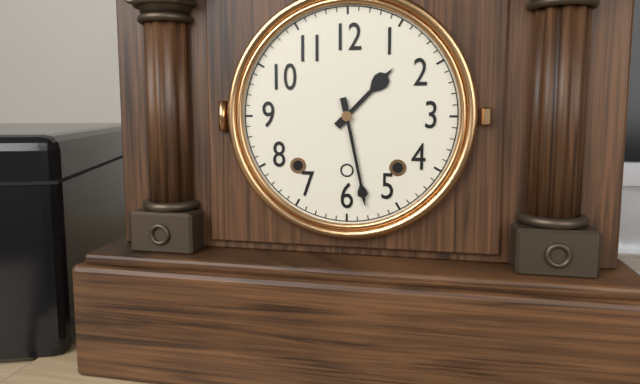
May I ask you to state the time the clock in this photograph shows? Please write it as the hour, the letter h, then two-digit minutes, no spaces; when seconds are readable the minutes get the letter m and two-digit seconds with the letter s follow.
1h28
